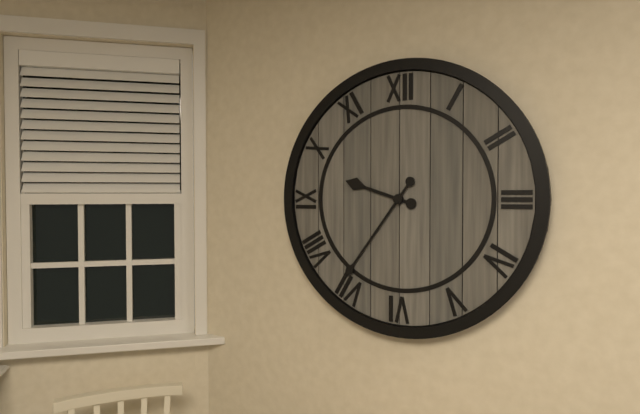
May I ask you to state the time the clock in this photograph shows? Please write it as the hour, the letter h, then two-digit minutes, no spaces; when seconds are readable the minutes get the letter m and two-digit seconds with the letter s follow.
9h36
